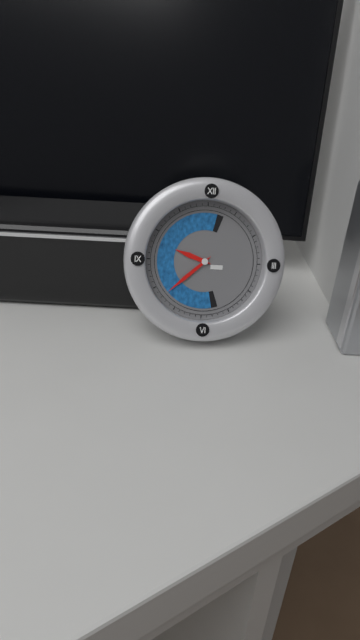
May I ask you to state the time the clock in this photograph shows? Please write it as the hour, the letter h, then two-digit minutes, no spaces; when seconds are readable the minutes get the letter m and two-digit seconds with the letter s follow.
9h38
